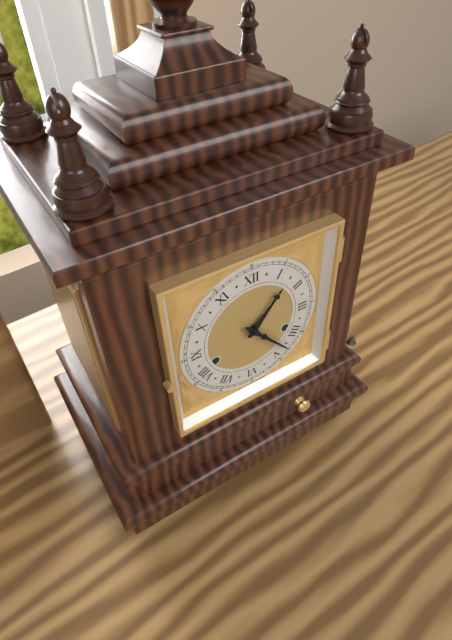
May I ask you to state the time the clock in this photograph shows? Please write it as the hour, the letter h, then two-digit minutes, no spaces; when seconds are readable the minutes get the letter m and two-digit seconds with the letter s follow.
1h23
